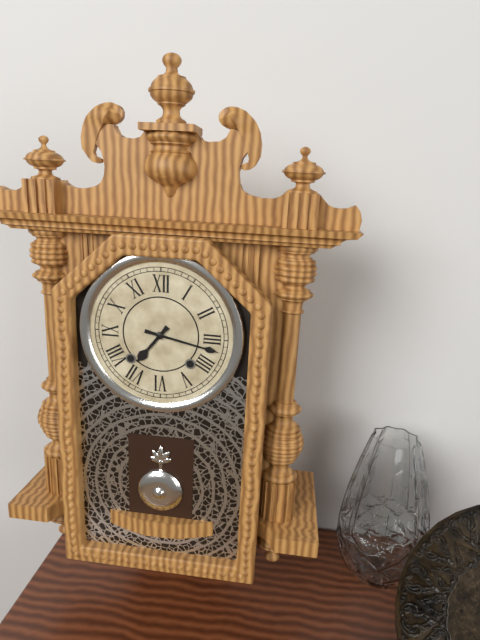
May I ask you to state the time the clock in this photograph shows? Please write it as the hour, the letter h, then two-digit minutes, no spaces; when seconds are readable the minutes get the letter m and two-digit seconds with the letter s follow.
7h17
